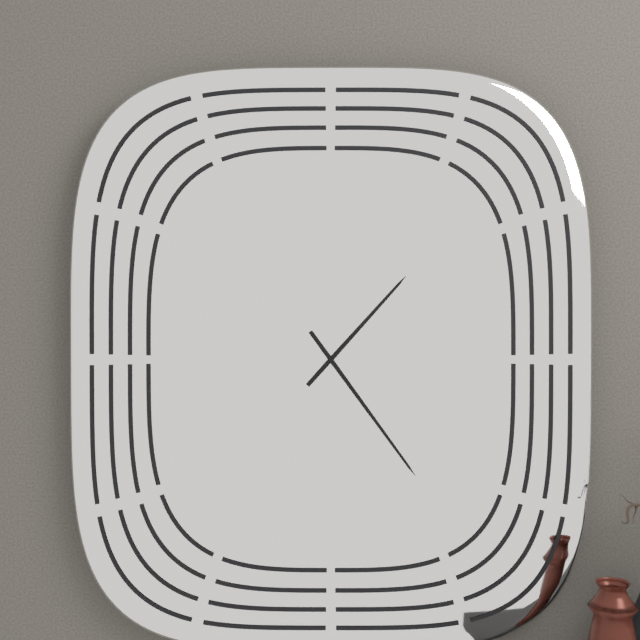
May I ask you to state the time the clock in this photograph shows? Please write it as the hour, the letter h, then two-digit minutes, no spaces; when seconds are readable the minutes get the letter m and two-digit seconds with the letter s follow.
1h24
